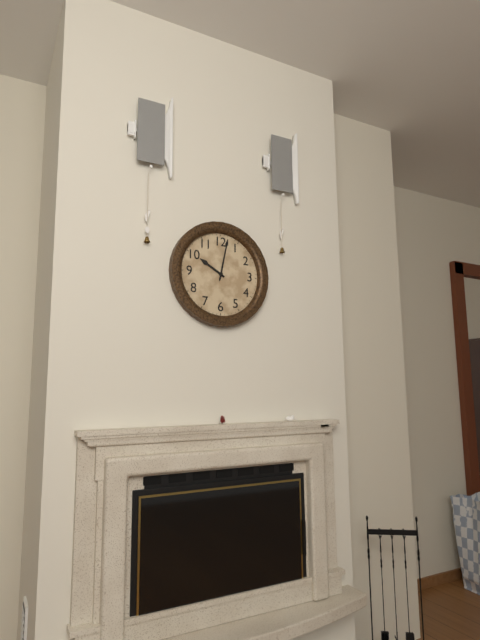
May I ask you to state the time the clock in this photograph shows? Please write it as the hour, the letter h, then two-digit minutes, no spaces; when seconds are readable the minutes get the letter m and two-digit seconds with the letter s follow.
10h02
